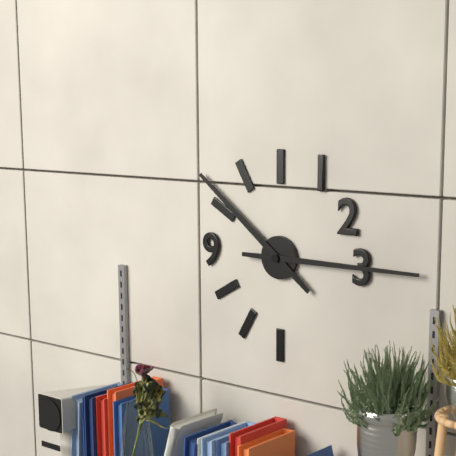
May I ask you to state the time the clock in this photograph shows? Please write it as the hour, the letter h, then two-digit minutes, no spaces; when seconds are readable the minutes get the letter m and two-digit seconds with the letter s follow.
10h15
